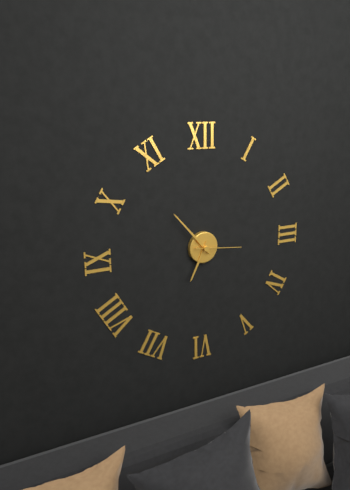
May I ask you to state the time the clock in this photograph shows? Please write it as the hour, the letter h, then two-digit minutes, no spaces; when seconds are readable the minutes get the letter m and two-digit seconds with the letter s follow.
6h53
